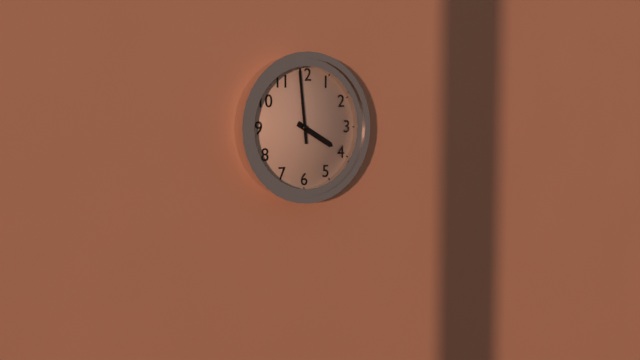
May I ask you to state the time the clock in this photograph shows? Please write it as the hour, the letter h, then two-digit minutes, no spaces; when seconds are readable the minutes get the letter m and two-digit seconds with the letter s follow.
3h59
